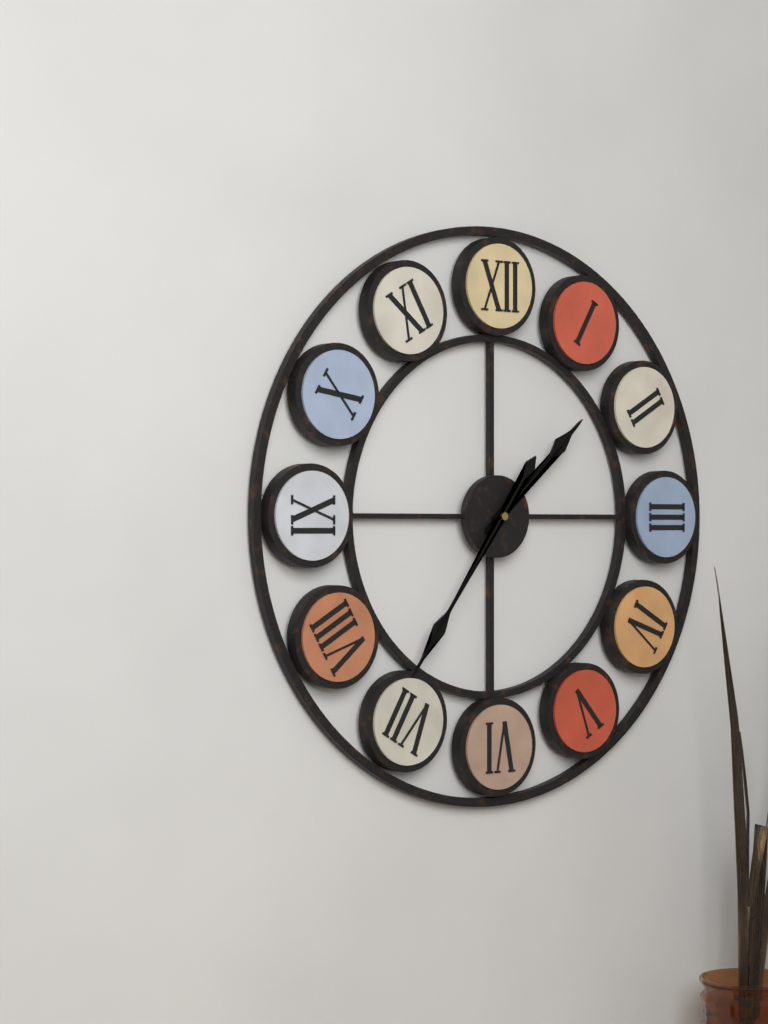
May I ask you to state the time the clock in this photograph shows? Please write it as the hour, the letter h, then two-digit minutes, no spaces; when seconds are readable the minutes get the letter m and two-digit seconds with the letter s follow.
1h36
